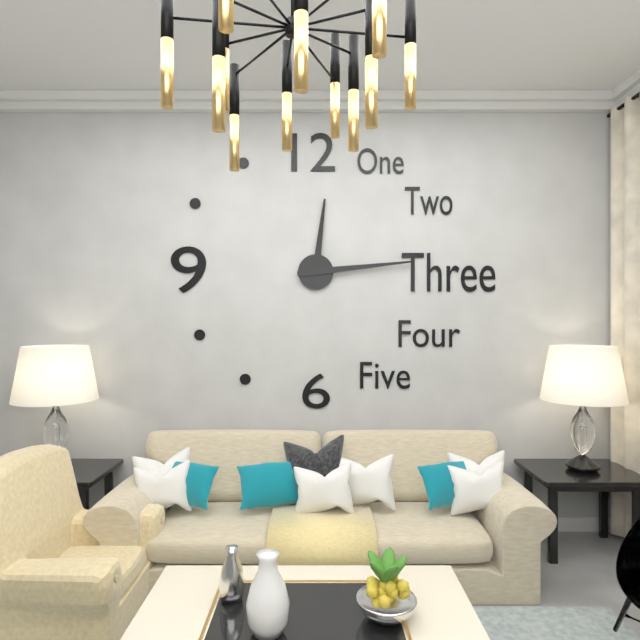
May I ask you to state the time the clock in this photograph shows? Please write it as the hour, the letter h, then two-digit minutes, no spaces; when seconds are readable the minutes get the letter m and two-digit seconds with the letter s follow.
12h14
